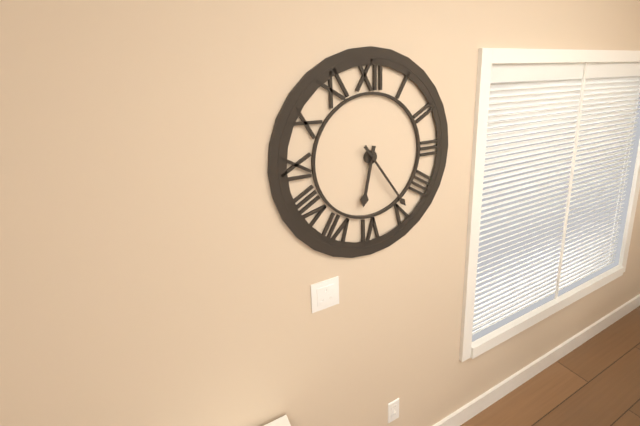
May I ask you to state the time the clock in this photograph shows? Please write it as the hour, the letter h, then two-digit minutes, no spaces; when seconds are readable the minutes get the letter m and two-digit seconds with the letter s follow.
6h24
